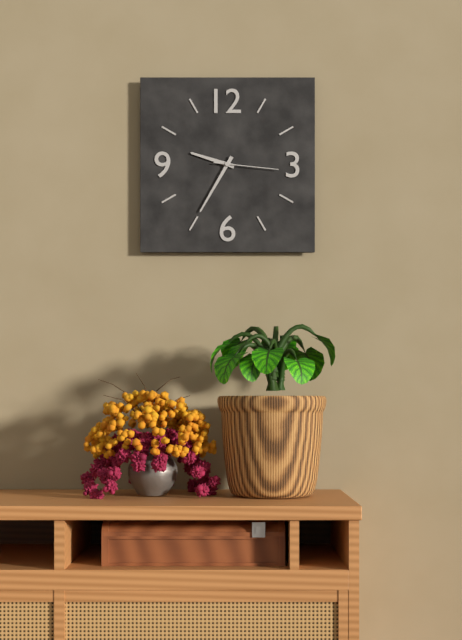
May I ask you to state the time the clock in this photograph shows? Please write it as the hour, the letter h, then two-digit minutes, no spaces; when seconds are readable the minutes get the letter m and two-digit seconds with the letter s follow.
9h35m16s
